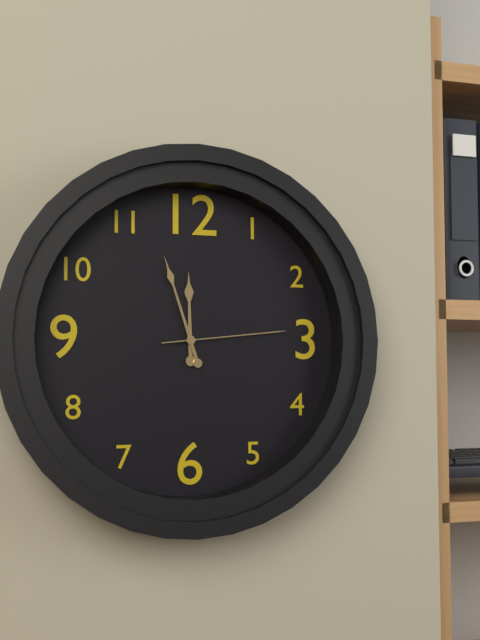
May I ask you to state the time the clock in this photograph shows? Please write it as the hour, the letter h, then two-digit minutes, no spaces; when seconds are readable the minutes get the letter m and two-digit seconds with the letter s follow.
11h57m14s
